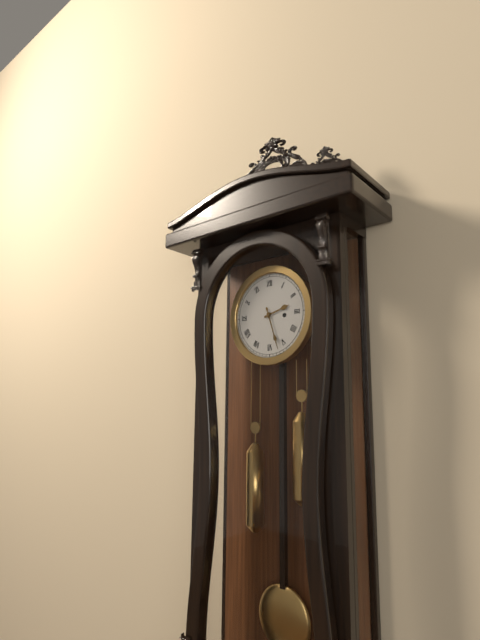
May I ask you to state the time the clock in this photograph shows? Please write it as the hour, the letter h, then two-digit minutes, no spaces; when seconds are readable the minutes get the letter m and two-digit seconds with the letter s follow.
2h27
